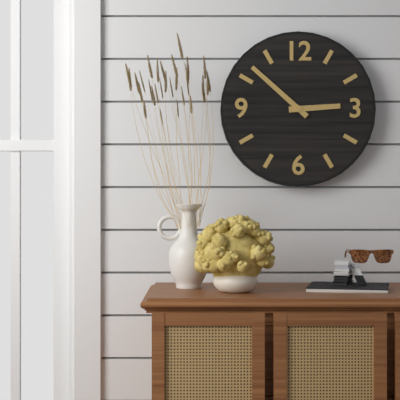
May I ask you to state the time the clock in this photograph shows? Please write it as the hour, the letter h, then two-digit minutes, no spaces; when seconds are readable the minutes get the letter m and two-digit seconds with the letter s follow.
2h52
